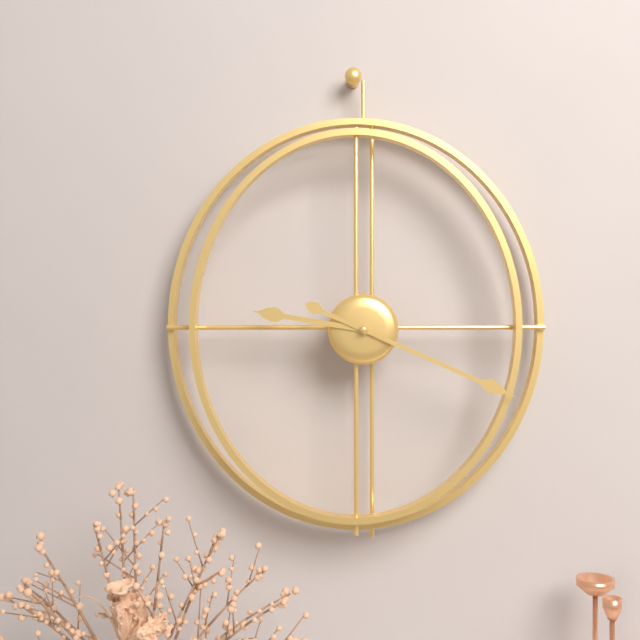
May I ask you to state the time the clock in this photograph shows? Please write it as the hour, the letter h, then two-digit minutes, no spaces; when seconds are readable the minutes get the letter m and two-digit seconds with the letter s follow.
9h19
